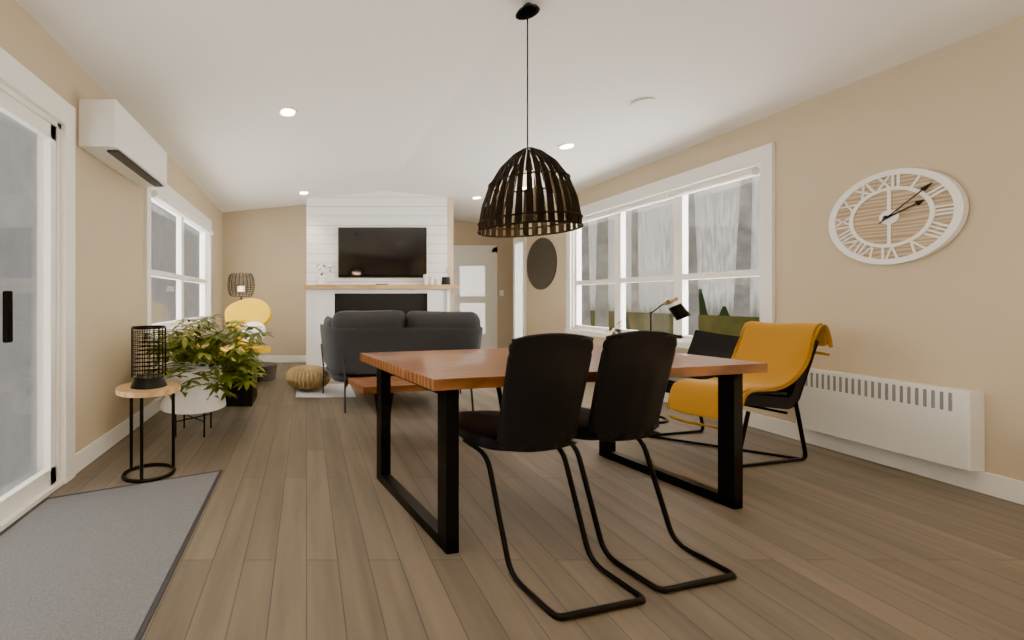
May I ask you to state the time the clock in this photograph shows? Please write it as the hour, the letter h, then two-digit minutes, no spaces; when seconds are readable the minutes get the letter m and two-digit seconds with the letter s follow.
2h08
